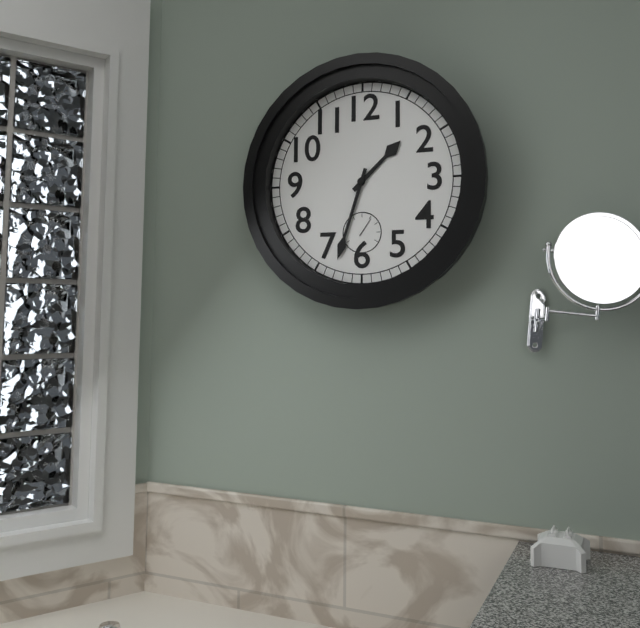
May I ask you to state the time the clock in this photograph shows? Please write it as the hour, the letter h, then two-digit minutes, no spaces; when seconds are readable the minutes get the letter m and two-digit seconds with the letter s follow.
1h33
